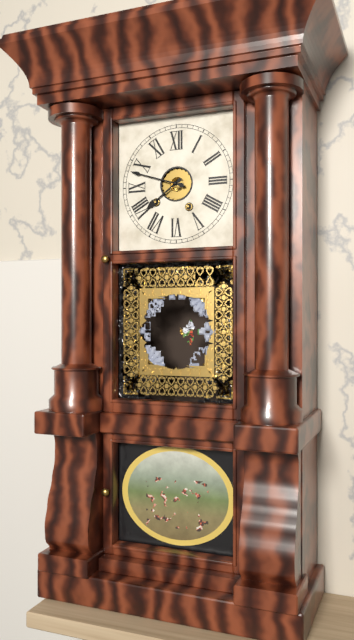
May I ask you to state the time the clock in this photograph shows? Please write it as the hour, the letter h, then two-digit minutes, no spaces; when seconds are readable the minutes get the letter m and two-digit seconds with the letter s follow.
7h48
